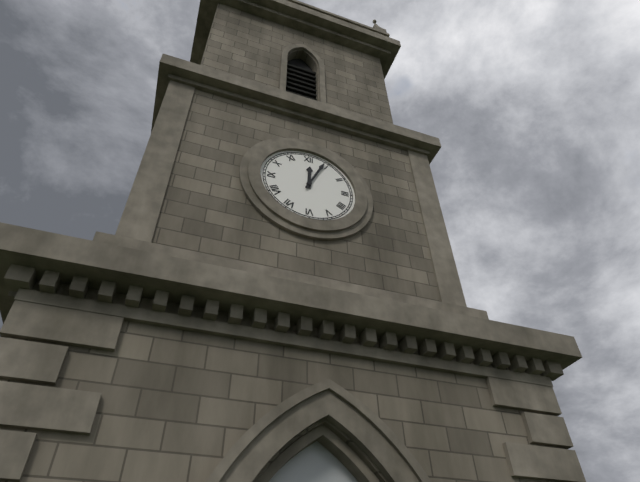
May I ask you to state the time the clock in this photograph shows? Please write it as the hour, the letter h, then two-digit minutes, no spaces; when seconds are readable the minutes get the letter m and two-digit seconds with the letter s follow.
12h04
